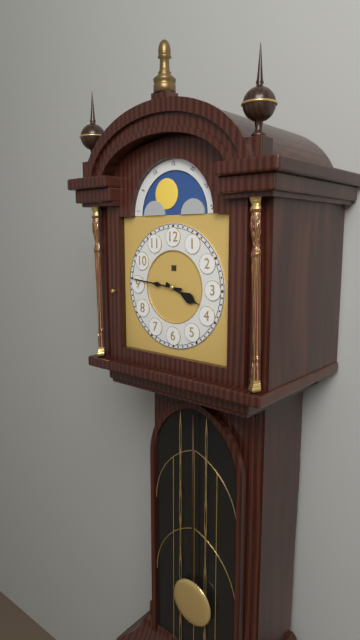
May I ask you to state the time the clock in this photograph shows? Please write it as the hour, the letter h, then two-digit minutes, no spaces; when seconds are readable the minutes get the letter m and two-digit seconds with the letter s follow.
3h46
